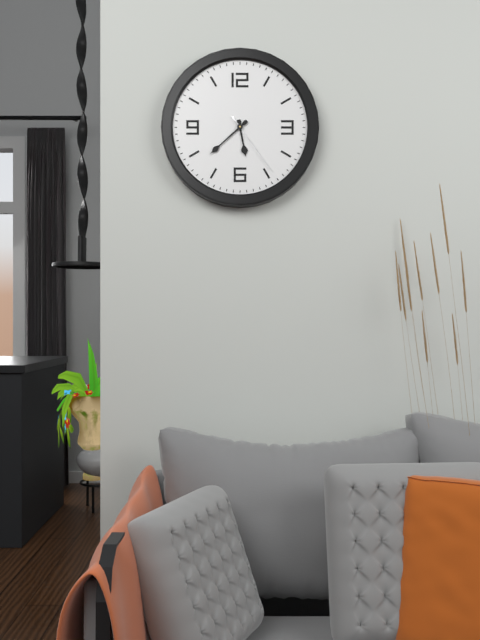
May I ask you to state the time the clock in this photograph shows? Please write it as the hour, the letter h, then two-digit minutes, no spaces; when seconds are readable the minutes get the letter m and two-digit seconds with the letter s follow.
5h38m24s
